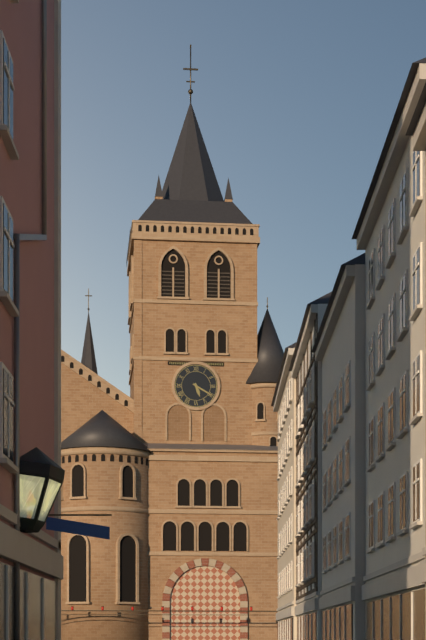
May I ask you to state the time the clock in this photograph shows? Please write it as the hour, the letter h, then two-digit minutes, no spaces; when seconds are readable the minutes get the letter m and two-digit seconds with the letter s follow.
5h20
